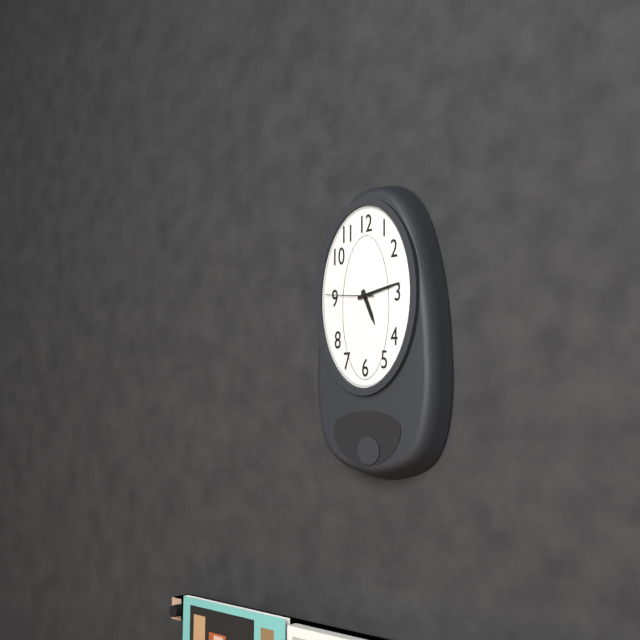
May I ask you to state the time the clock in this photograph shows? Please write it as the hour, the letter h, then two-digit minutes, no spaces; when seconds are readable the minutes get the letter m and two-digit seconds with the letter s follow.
5h13
